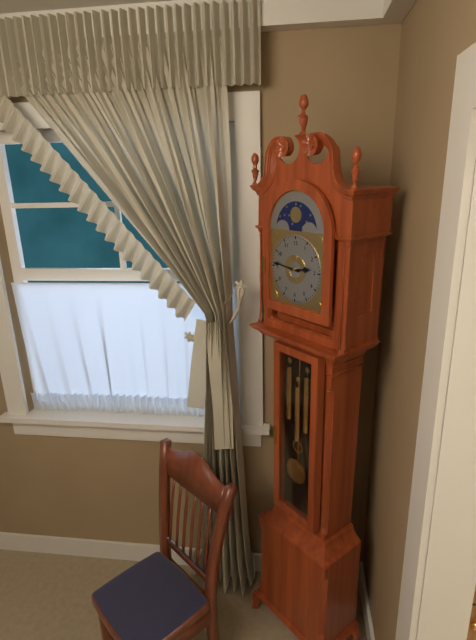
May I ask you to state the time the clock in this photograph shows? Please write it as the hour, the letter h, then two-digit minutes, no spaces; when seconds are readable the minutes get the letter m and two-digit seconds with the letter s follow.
2h46
